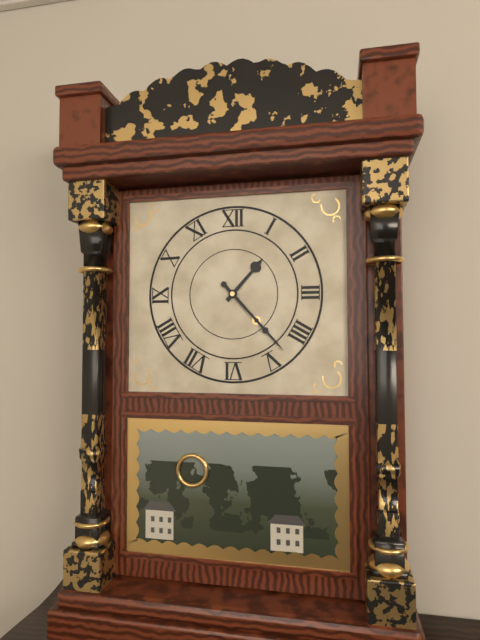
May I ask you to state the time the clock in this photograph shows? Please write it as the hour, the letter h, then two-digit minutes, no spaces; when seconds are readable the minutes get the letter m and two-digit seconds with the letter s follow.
1h23
